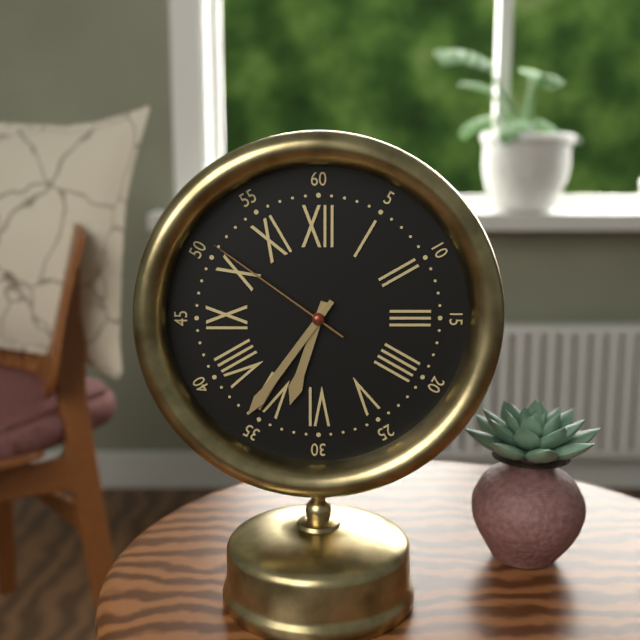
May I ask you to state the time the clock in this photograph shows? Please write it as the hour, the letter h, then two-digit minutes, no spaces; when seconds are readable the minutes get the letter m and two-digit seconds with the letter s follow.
6h36m51s
